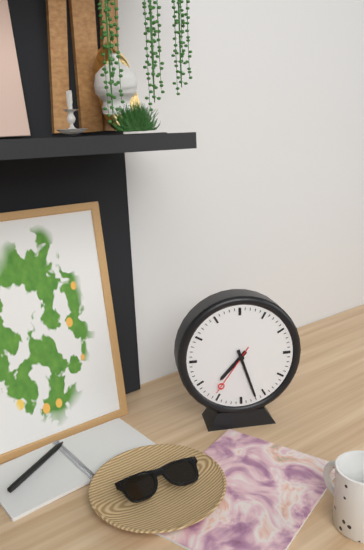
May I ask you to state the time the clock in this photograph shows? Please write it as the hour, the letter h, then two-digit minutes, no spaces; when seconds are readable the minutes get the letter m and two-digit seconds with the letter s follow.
7h27m36s
